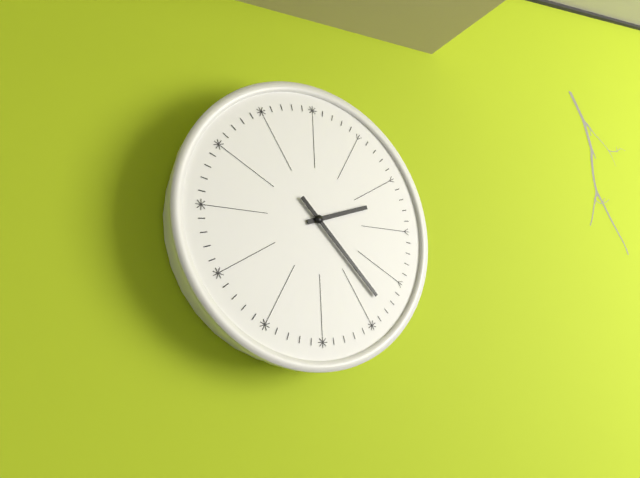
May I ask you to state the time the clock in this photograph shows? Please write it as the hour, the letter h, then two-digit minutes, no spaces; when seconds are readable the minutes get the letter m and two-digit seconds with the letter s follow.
2h23
